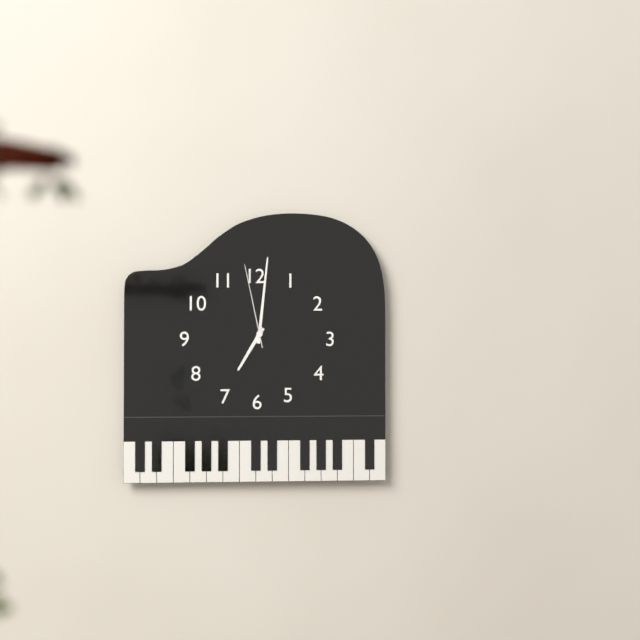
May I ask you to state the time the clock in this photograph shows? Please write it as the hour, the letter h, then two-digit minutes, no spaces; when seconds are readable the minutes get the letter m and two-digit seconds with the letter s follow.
7h01m58s
